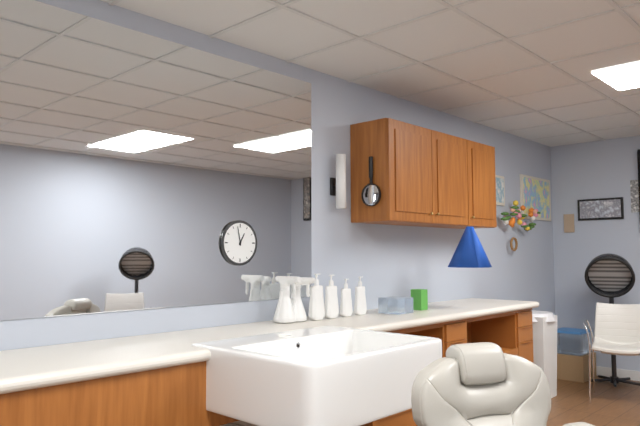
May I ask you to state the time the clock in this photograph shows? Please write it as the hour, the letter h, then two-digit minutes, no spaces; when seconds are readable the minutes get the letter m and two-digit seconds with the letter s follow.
12h58
